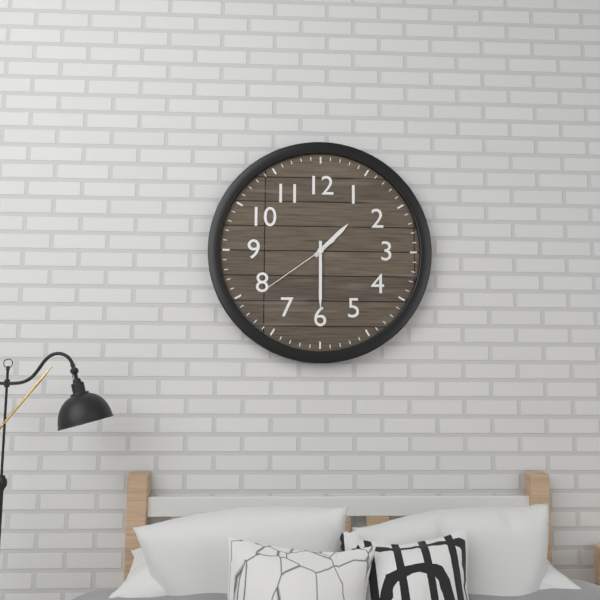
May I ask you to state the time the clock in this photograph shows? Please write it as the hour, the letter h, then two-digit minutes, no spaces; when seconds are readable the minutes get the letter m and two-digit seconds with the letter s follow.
1h30m39s
